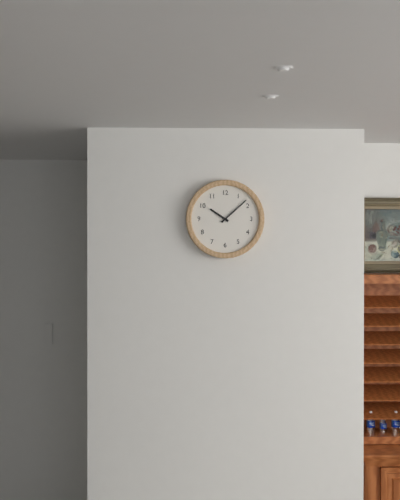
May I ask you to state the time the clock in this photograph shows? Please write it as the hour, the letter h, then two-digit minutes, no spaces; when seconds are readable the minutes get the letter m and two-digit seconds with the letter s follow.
10h08
